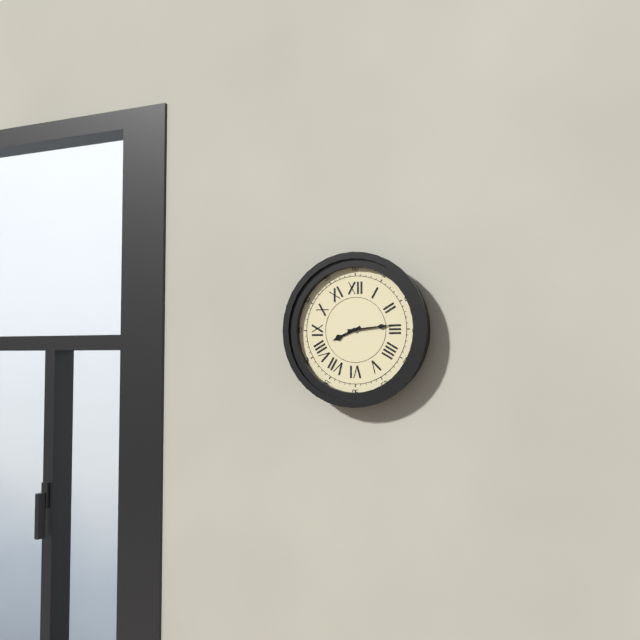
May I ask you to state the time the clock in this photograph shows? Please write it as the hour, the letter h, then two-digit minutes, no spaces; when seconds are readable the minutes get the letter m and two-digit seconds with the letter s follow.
8h14
